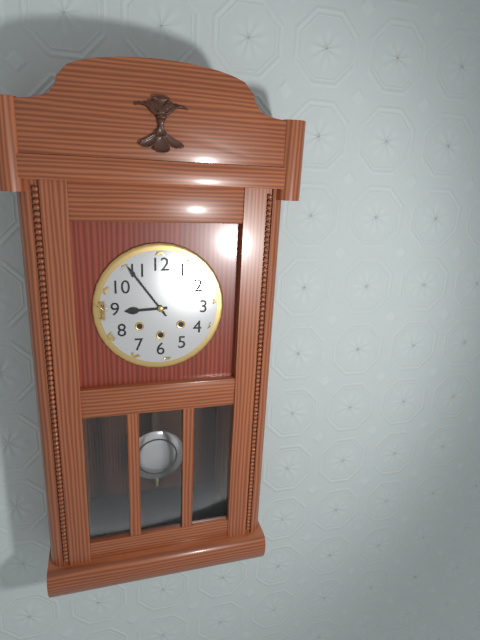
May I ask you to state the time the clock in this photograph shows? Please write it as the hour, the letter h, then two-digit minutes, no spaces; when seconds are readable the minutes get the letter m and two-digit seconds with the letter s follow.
8h54
